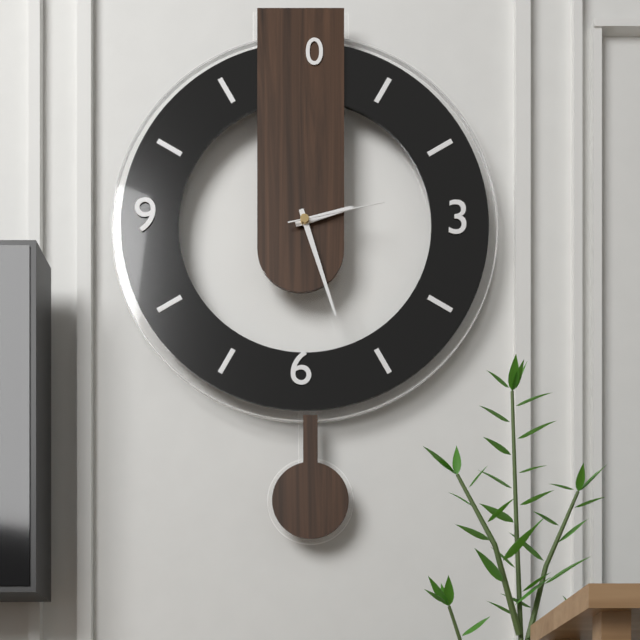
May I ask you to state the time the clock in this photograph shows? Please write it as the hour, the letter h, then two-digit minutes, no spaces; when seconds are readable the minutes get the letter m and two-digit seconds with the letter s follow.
2h27m13s
